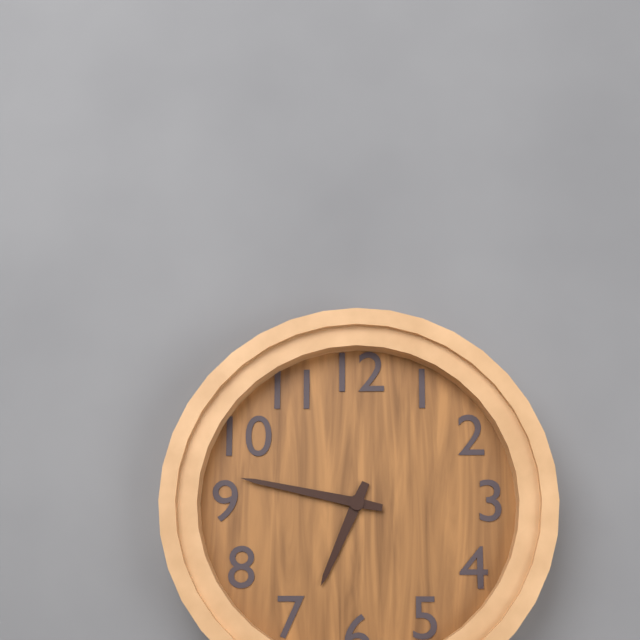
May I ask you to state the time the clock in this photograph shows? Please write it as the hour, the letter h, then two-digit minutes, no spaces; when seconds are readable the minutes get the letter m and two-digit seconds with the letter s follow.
6h47
